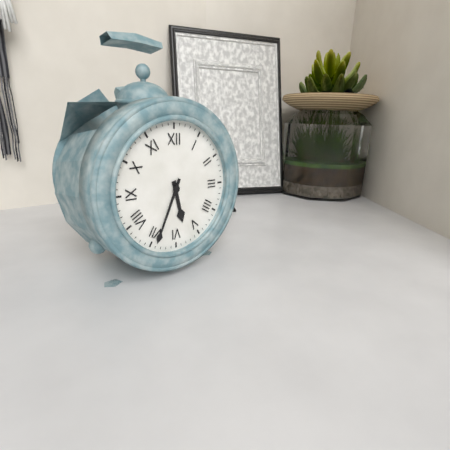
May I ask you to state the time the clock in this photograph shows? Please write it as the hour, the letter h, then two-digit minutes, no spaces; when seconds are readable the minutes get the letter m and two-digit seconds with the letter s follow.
5h34
